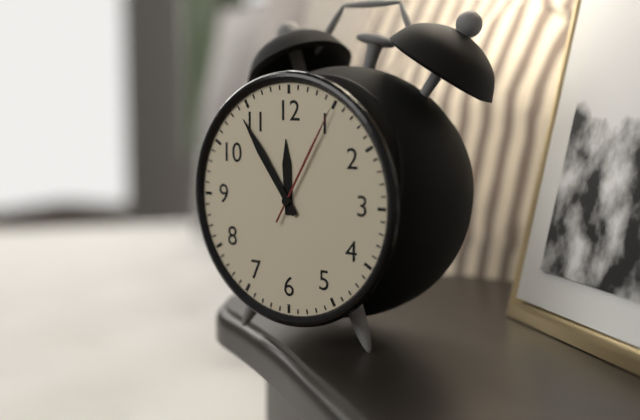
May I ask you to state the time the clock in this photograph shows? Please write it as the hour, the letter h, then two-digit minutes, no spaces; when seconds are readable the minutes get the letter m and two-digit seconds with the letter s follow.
11h54m05s
